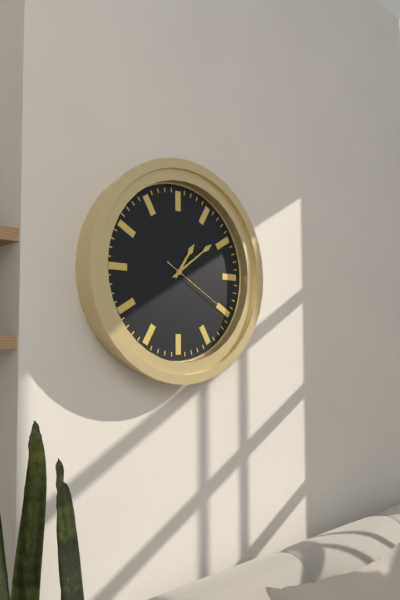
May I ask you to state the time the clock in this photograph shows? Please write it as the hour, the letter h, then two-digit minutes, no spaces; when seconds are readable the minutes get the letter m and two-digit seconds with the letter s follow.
1h09m20s
